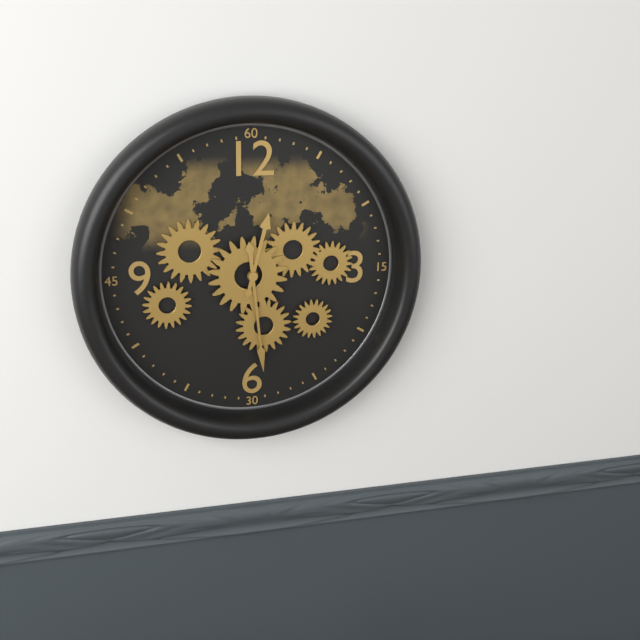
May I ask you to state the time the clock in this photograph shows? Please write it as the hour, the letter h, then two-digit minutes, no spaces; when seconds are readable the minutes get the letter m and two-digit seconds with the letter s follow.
12h29
